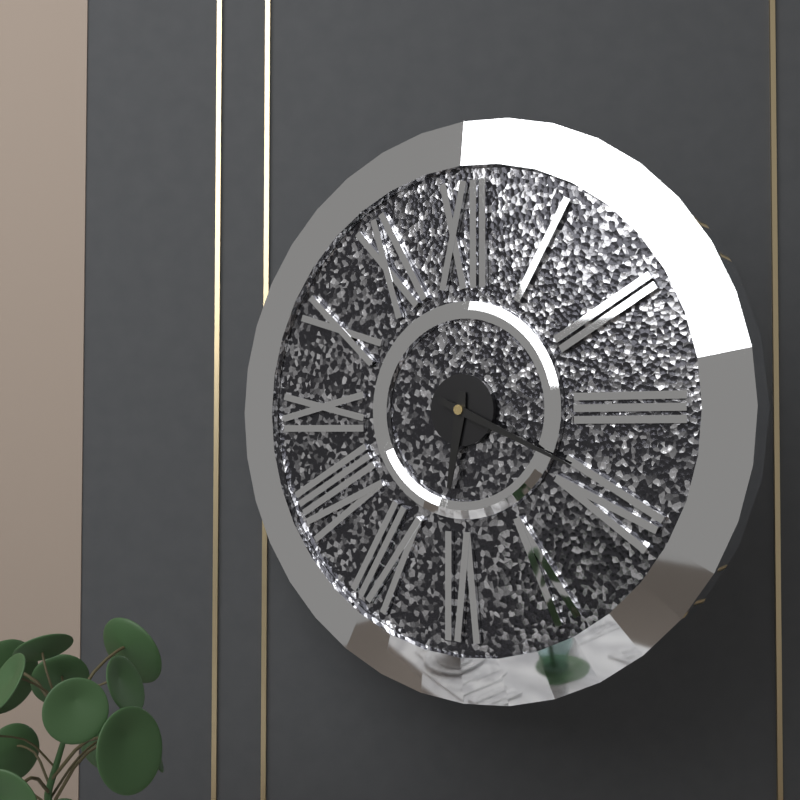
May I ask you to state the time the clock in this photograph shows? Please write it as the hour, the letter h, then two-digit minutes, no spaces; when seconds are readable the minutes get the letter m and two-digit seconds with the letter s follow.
6h19
